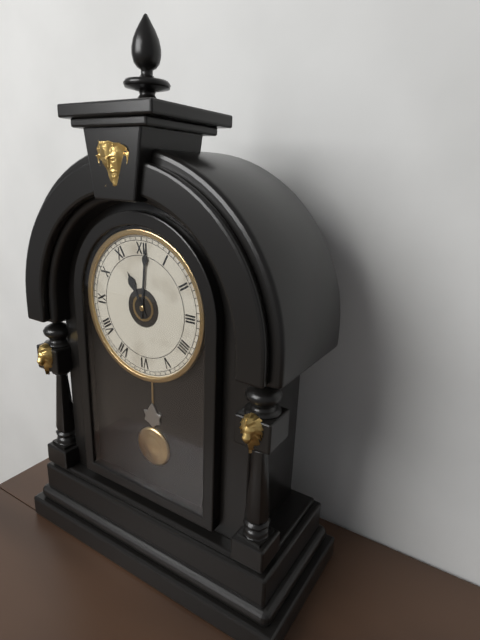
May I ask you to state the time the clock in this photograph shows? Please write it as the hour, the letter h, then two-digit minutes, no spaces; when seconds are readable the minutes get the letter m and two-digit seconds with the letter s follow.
11h01
